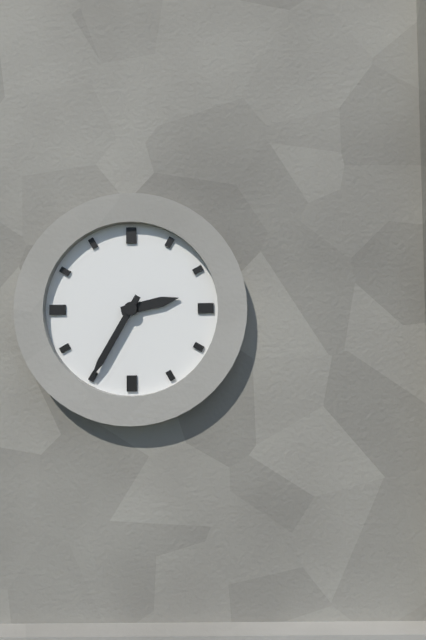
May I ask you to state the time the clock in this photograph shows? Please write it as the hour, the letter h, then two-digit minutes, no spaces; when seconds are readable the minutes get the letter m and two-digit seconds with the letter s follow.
2h35
